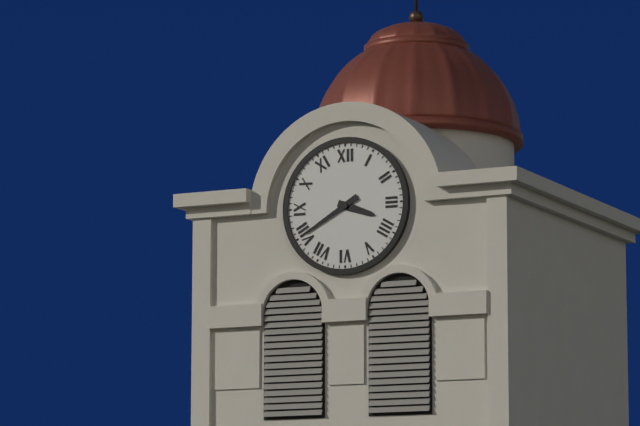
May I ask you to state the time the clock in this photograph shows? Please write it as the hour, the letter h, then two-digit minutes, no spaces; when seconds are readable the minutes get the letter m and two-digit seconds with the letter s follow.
3h40
